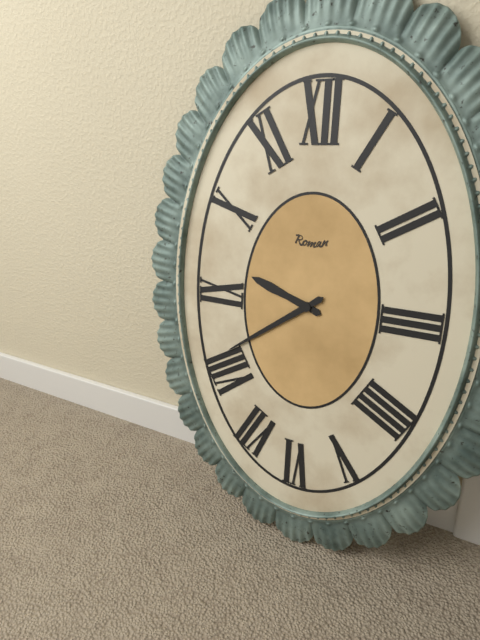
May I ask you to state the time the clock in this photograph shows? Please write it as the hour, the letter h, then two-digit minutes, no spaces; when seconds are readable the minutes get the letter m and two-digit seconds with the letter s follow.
9h39
